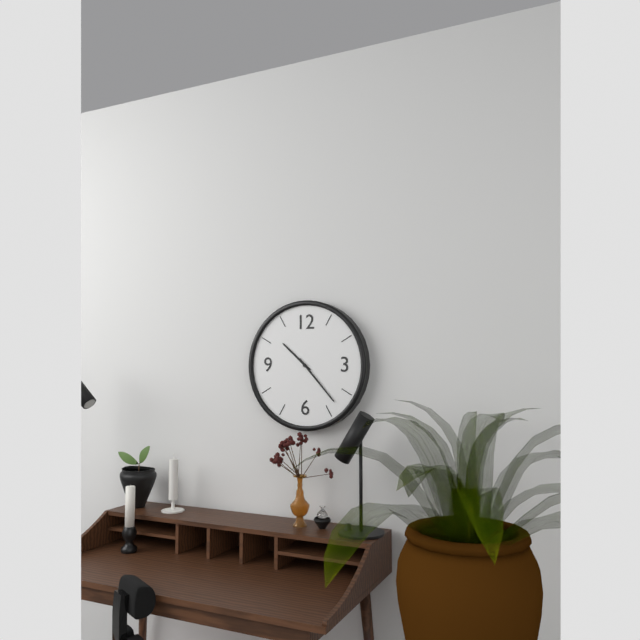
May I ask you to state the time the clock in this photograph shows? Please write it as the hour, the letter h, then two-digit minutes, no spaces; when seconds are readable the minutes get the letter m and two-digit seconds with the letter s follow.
10h23
